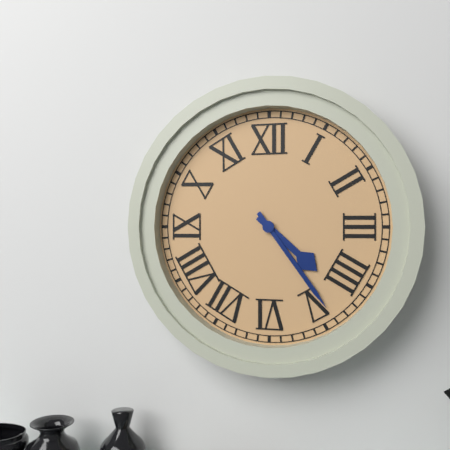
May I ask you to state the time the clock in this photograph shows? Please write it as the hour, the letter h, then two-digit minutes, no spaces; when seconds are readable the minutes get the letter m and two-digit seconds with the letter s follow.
4h24
